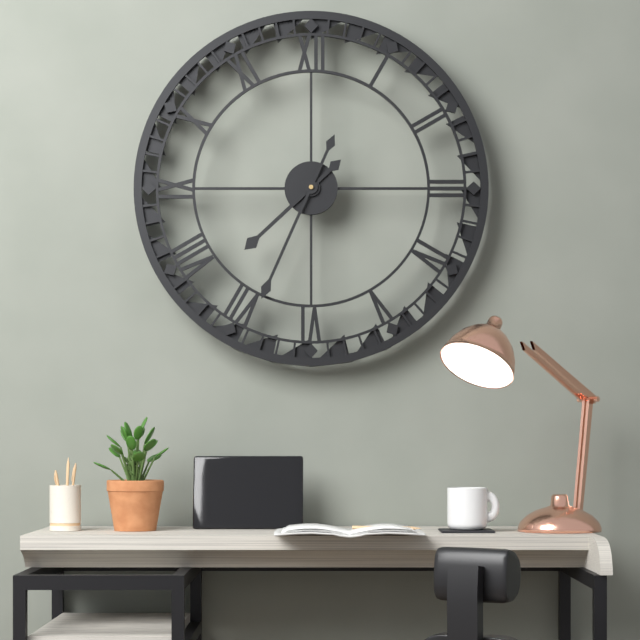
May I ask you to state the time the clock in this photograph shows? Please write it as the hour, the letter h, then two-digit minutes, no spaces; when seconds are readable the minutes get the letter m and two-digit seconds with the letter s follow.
7h34
